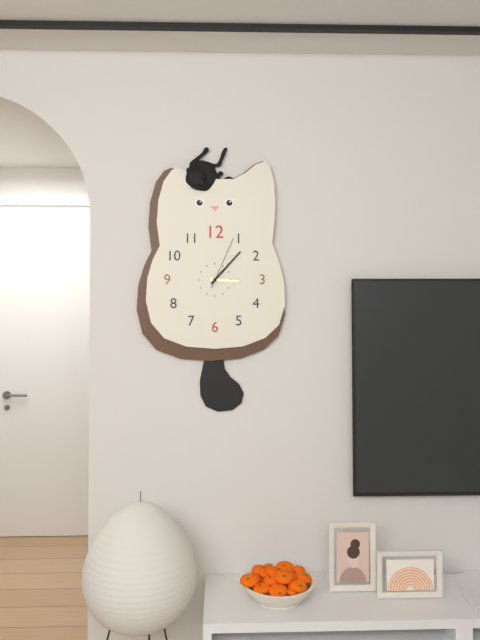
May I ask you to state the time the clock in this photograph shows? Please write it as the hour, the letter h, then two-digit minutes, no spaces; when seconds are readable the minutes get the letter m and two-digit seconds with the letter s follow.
3h07m04s
